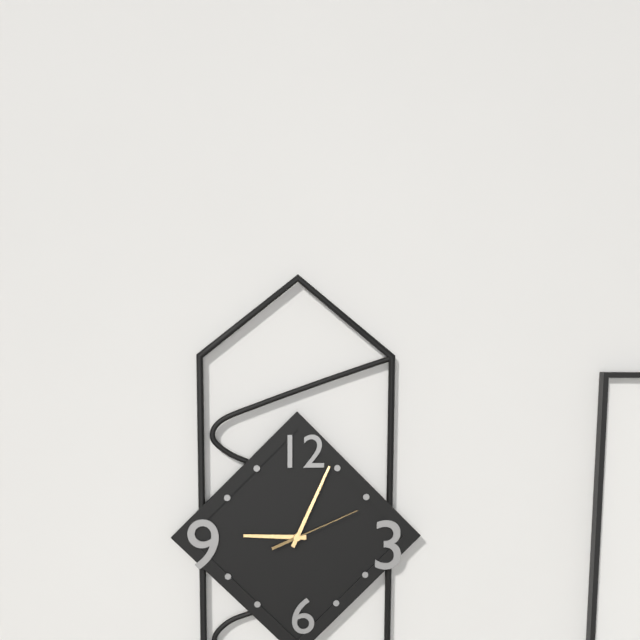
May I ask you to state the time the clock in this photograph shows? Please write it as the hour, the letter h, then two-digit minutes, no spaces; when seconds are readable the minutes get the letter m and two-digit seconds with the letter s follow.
9h04m11s
